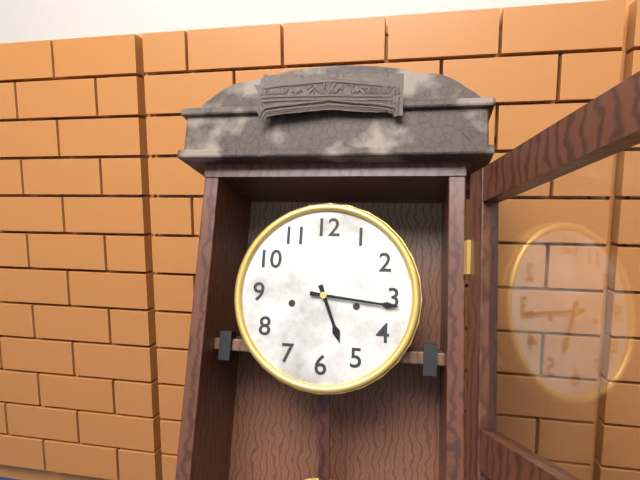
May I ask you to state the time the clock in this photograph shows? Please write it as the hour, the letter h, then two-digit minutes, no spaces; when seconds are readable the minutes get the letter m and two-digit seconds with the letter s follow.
5h16
